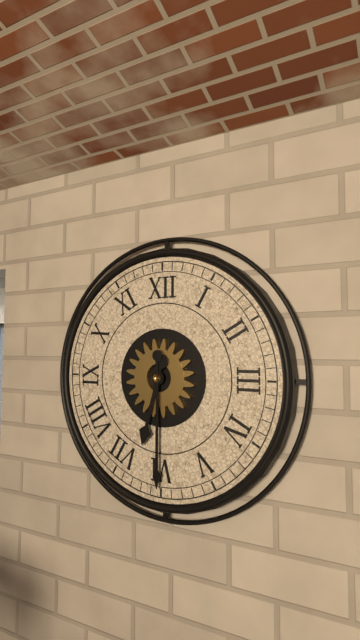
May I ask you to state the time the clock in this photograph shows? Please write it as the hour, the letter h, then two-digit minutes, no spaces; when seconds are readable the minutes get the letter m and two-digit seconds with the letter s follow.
6h30
